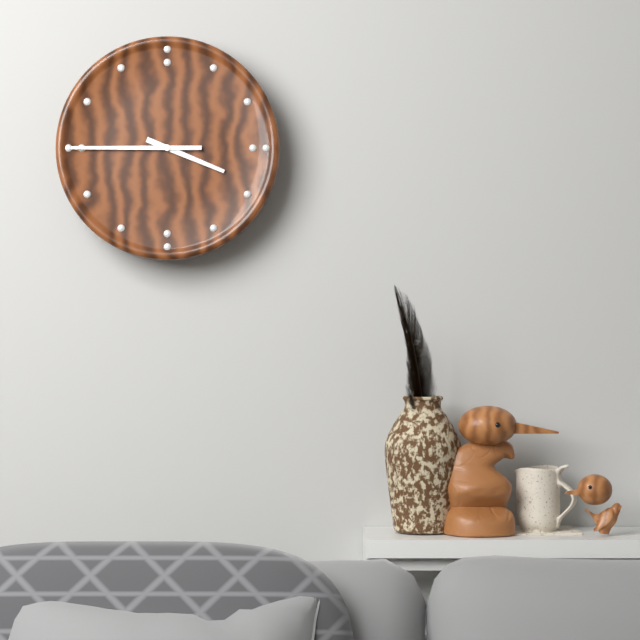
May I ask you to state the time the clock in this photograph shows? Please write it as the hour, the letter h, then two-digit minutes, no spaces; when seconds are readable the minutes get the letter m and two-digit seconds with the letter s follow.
3h45
